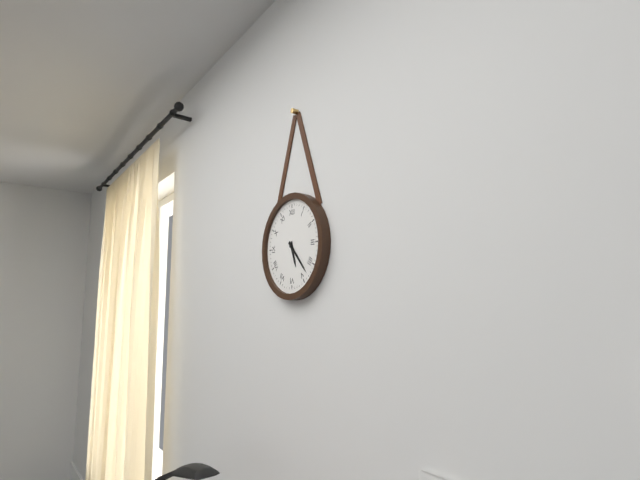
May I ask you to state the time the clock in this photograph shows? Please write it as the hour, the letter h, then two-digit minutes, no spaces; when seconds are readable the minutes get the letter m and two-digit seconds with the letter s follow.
5h23
